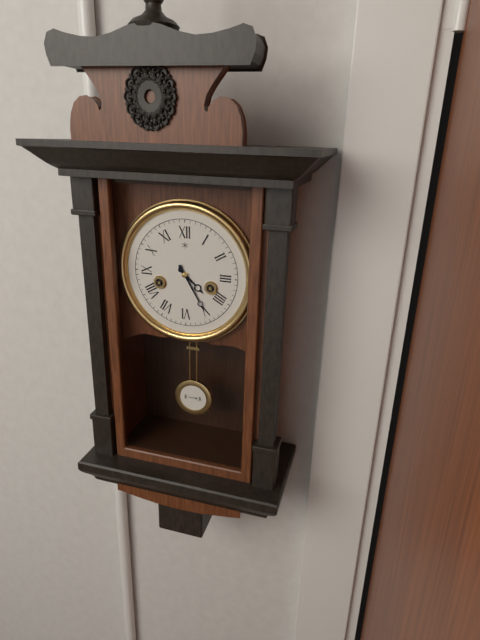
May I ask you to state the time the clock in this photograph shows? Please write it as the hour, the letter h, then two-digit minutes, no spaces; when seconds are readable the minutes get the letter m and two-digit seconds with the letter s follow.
4h25
